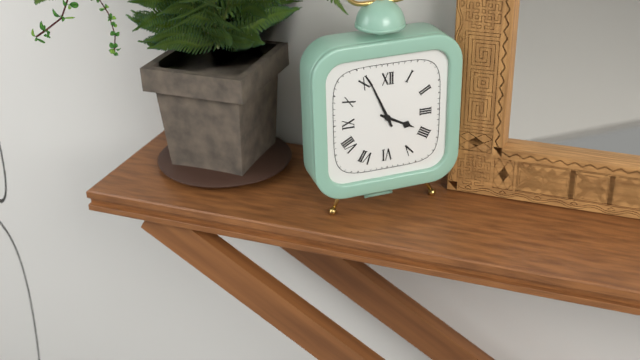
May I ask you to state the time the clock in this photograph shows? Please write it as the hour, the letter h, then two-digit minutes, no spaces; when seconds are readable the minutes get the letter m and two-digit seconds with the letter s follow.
3h56
